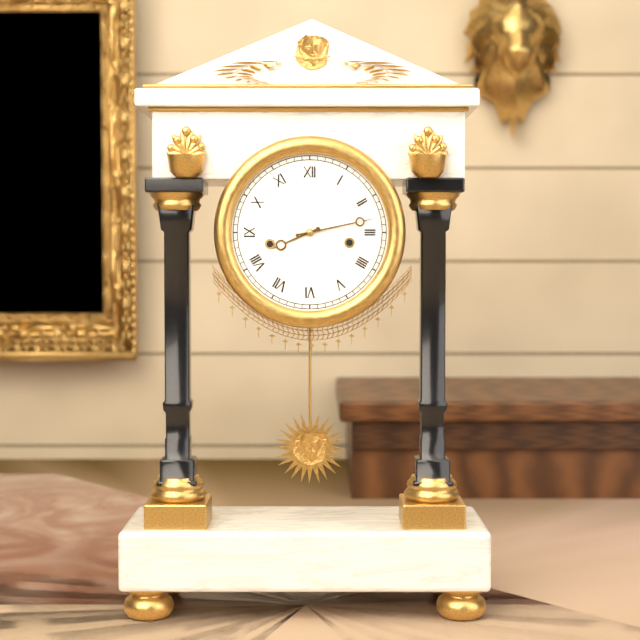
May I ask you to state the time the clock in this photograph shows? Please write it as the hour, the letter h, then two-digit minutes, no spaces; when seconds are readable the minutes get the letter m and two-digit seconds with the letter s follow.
8h13
